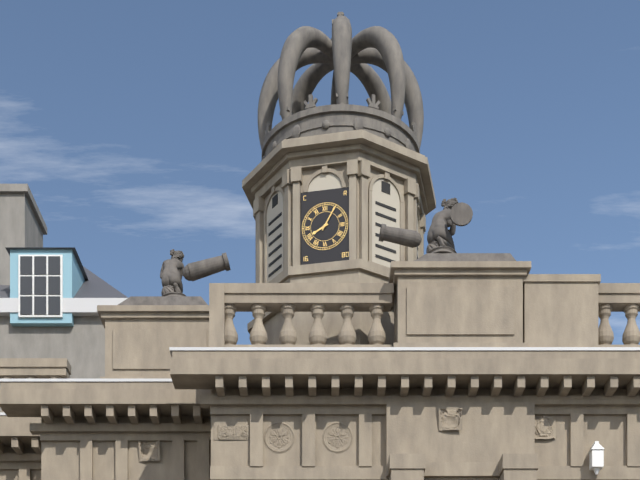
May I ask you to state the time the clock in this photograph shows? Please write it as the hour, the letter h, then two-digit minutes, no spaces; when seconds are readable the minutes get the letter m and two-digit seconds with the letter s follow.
8h05
